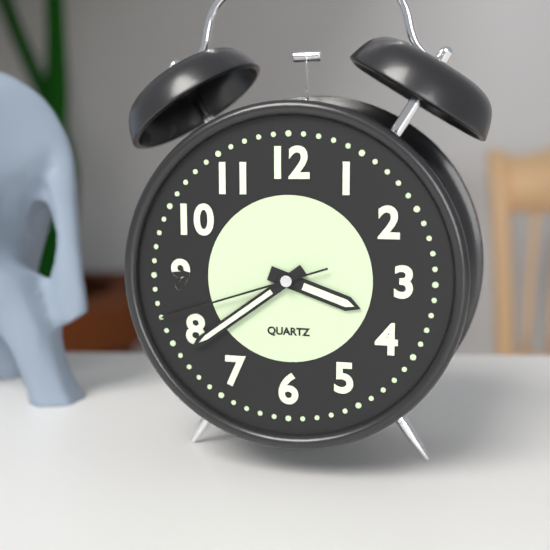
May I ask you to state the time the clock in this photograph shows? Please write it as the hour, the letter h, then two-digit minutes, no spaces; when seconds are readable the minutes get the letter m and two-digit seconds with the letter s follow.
3h39m42s
